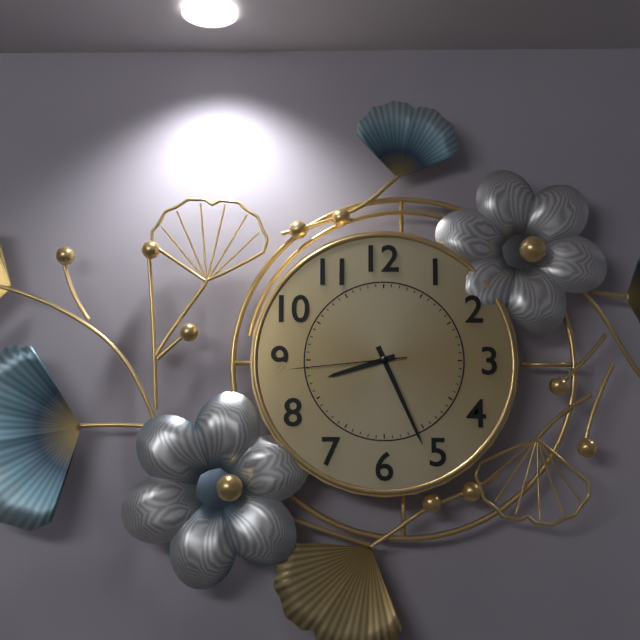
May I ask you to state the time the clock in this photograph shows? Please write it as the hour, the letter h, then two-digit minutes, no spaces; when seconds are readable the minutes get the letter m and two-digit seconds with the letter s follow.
8h26m44s
